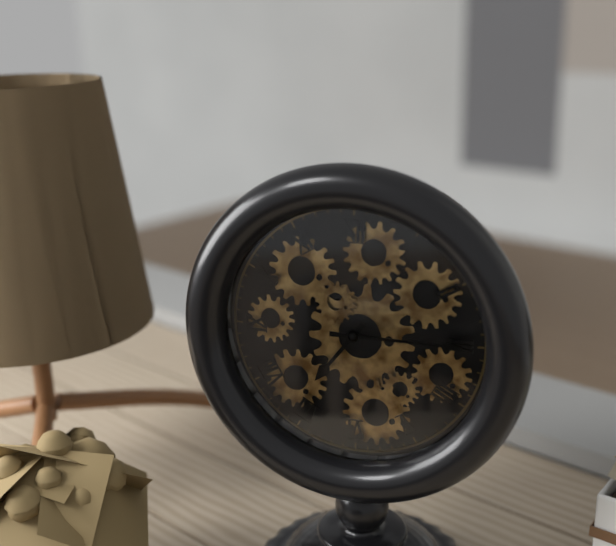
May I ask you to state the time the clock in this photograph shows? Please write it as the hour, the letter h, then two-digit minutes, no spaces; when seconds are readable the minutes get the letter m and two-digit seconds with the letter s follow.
7h15
